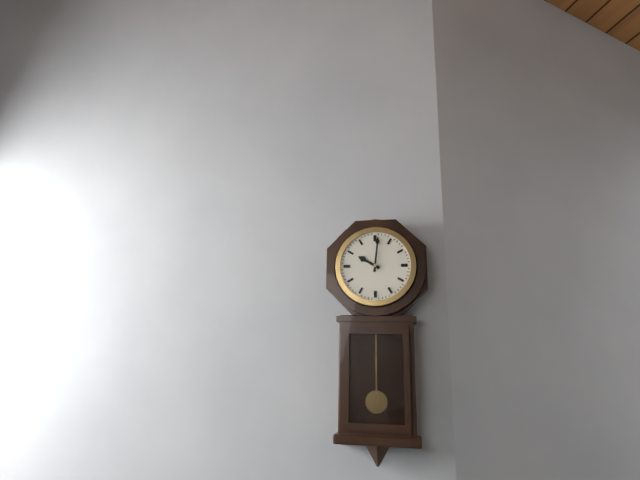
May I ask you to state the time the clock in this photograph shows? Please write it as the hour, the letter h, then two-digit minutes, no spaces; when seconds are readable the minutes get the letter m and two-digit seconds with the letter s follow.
10h01
